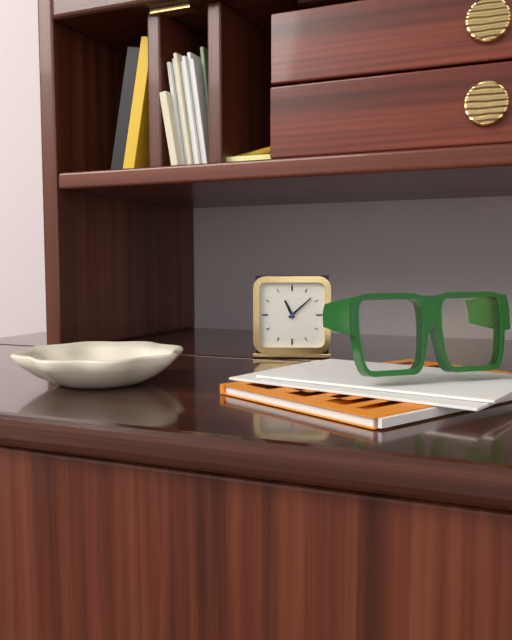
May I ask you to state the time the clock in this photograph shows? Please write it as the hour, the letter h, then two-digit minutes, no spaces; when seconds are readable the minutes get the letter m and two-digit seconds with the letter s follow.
11h08
